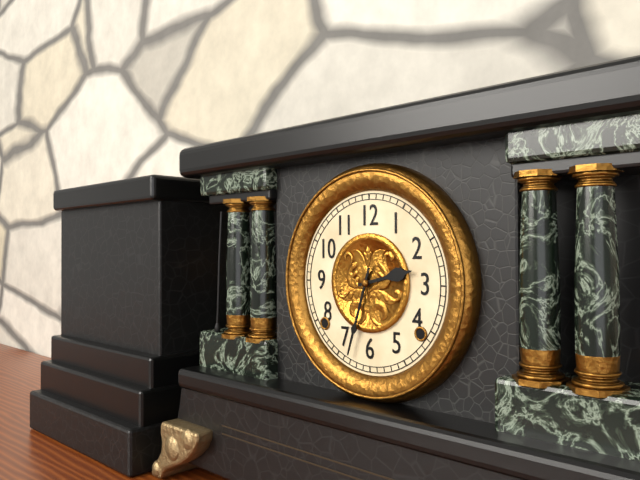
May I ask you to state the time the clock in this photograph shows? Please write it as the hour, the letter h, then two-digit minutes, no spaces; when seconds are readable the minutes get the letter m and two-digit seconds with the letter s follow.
2h33
